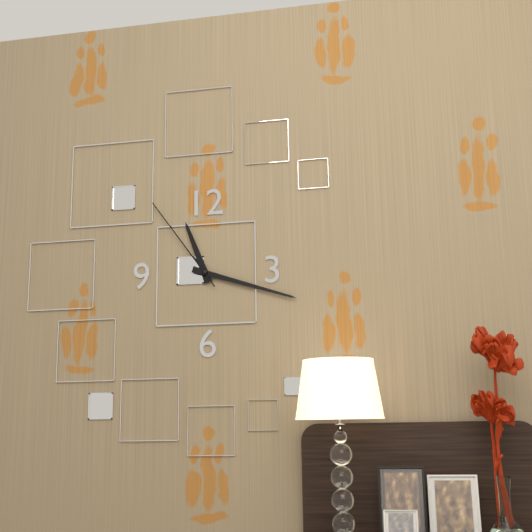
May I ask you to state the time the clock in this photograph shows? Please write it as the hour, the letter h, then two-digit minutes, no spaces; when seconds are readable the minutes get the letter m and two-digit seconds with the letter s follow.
11h18m54s
